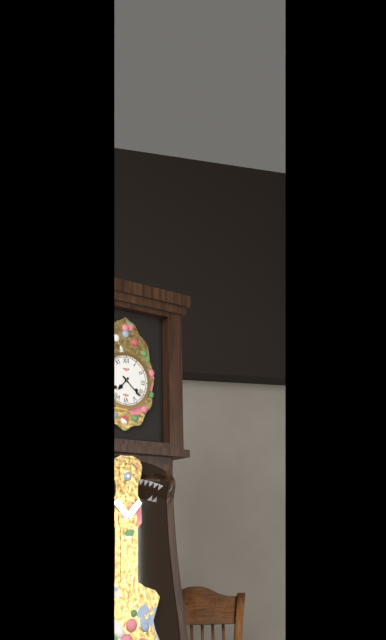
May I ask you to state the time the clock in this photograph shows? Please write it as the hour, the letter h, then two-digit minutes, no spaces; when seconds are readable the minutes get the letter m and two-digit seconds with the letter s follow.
7h22
